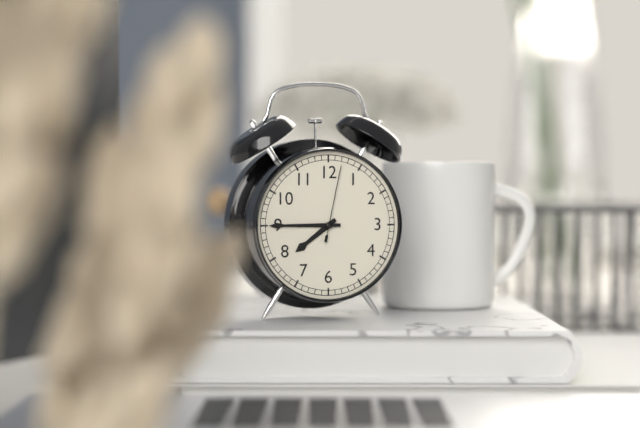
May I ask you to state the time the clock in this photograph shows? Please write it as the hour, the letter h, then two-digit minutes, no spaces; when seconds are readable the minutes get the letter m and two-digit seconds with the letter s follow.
7h45m02s
